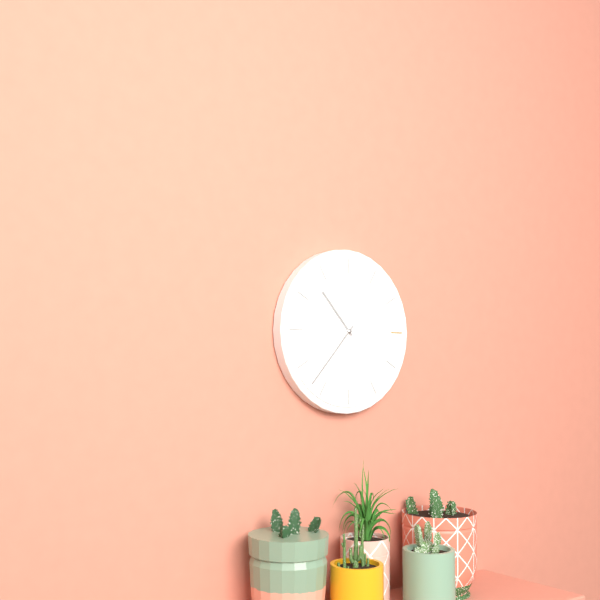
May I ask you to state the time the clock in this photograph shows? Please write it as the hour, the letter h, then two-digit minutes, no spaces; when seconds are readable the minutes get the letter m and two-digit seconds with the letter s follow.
10h37
